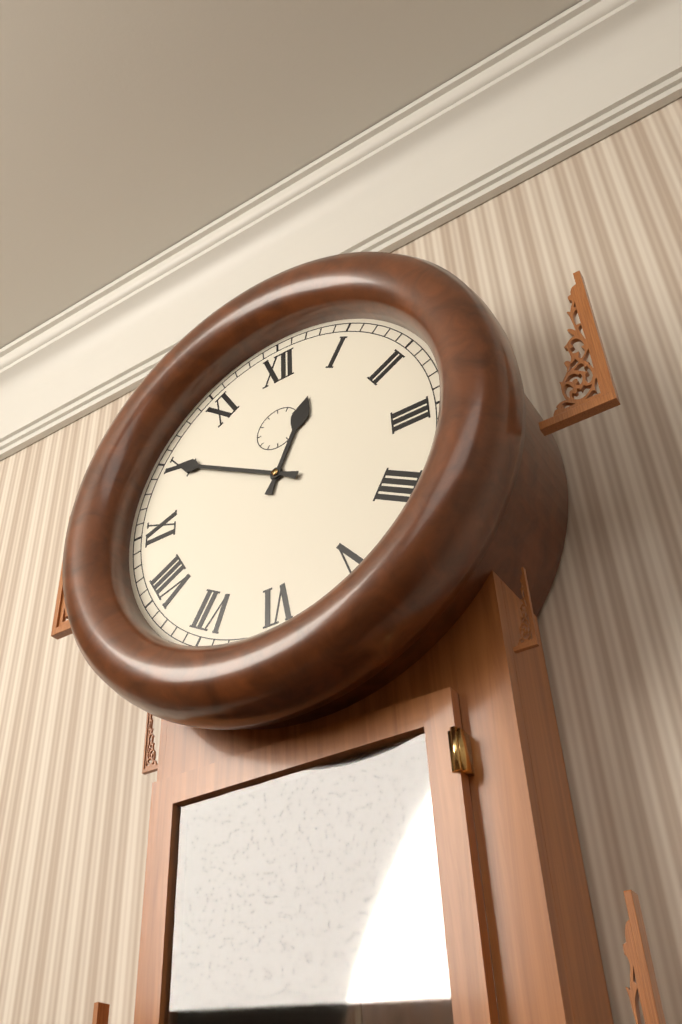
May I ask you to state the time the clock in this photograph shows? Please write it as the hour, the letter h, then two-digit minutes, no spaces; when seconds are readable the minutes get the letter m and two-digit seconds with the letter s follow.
12h50
